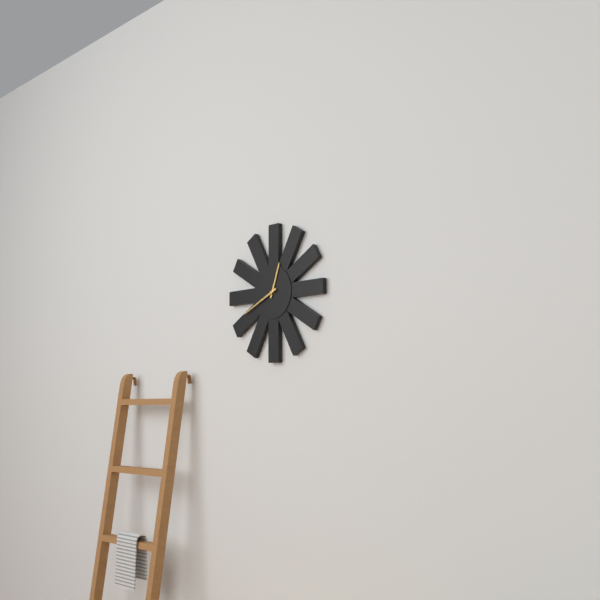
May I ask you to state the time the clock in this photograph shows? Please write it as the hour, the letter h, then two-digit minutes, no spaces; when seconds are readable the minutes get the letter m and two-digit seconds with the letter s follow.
12h41
